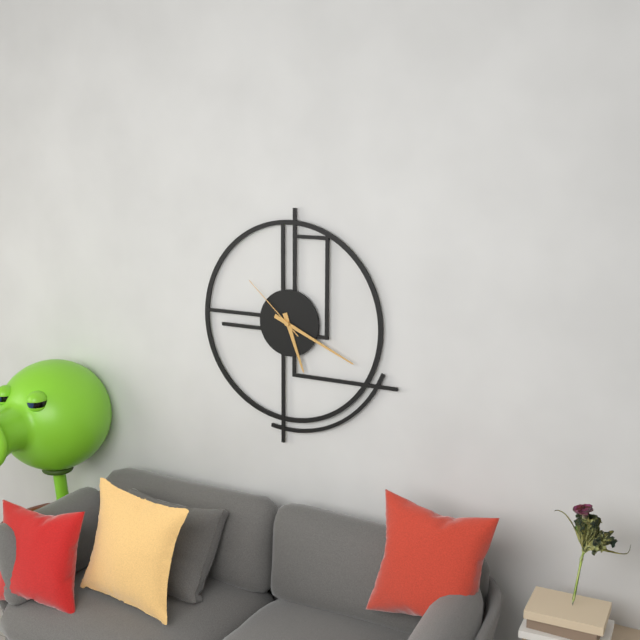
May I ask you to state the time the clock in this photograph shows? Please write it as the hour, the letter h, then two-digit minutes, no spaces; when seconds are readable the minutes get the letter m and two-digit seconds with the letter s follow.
5h19m52s
